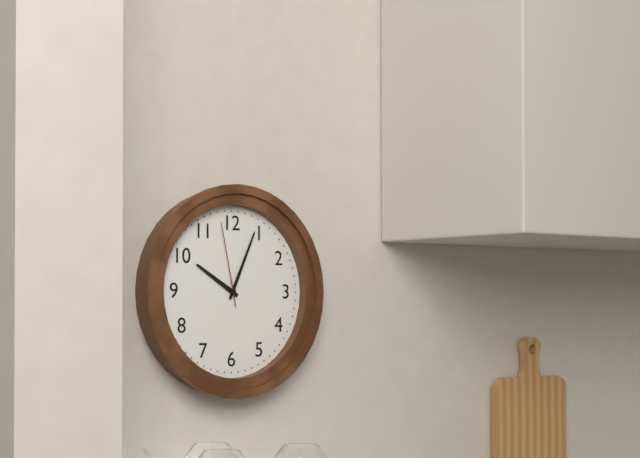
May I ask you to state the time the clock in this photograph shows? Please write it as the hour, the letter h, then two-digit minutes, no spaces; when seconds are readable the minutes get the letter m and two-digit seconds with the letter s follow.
10h04m58s
